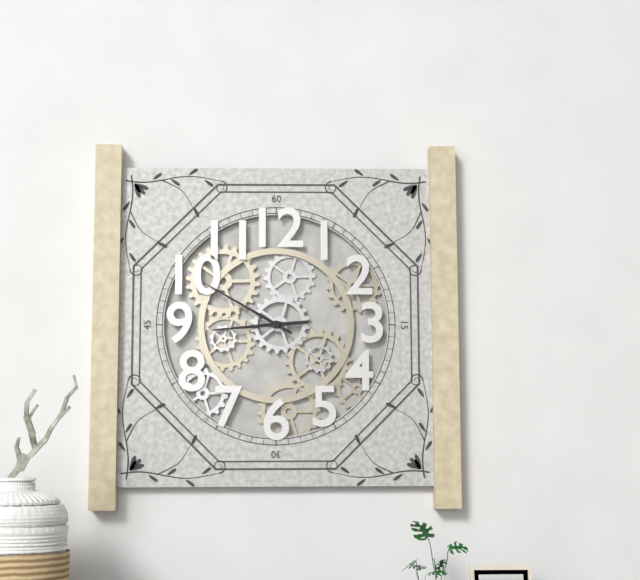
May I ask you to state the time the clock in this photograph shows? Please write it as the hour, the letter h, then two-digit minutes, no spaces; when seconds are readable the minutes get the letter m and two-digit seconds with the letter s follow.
8h50
